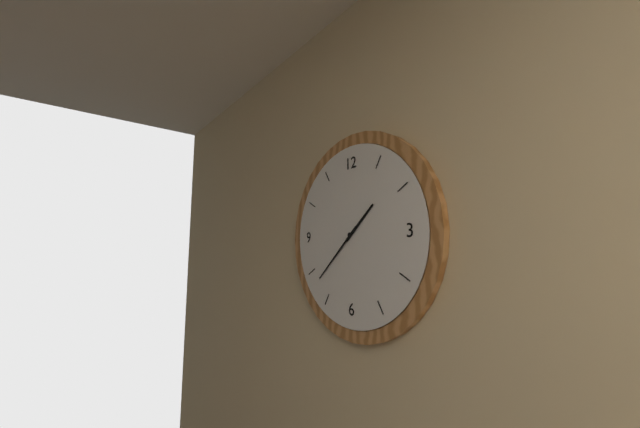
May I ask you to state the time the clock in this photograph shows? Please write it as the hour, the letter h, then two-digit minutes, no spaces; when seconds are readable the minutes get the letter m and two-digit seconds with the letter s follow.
1h38
